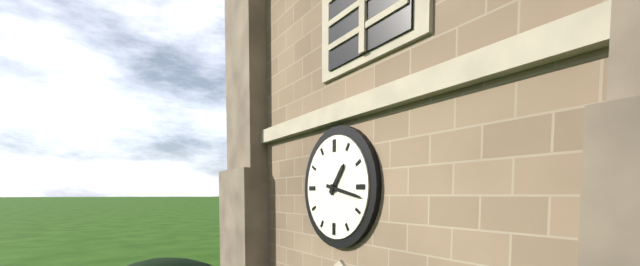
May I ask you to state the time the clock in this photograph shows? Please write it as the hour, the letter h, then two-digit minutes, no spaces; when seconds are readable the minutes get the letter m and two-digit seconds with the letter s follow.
1h17
